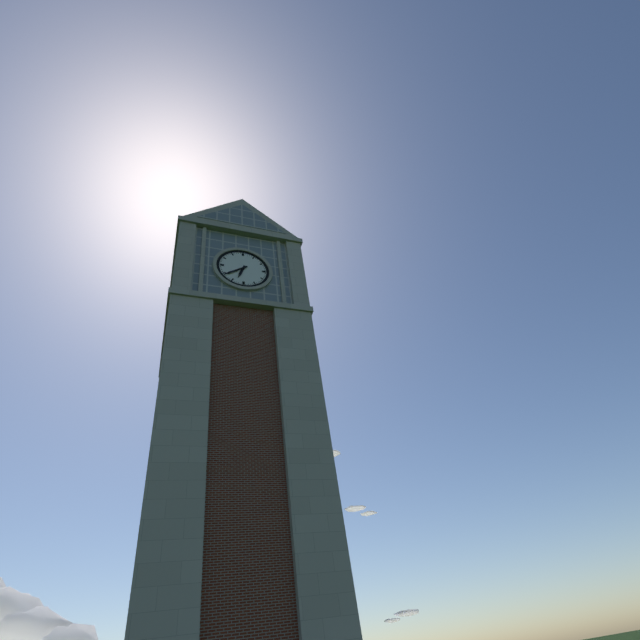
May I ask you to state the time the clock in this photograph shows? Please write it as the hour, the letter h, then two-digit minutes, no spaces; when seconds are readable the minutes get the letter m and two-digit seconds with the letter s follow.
6h39
